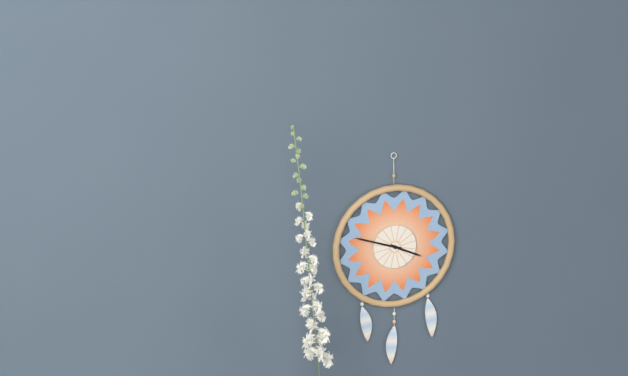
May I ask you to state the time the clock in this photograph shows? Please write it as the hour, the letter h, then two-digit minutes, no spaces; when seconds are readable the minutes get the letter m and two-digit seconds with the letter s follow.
3h48
